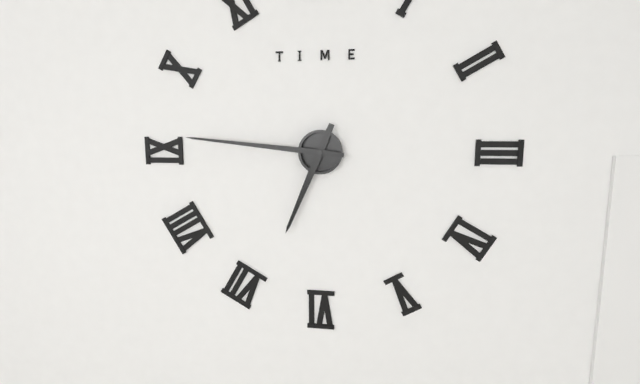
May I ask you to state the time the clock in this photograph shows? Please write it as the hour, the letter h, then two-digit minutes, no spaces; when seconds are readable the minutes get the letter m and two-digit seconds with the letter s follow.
6h46
